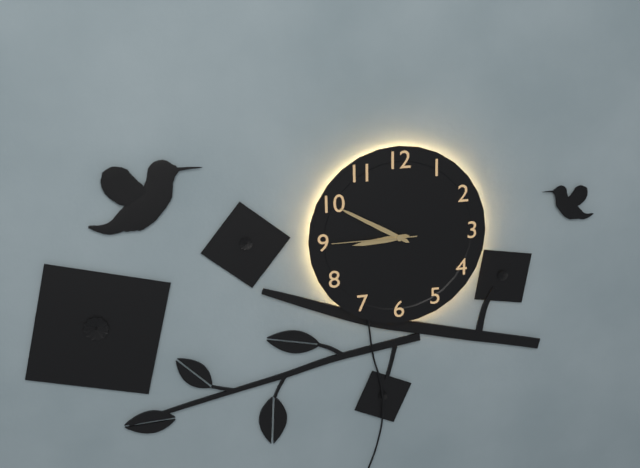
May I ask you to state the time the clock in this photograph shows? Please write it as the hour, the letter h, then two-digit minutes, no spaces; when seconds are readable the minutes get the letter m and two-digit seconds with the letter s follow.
8h50m45s
